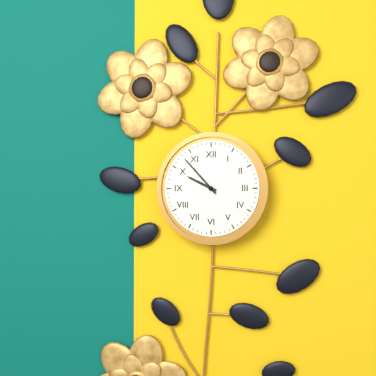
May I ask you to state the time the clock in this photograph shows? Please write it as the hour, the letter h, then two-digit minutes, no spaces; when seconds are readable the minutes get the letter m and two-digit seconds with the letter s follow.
9h53
